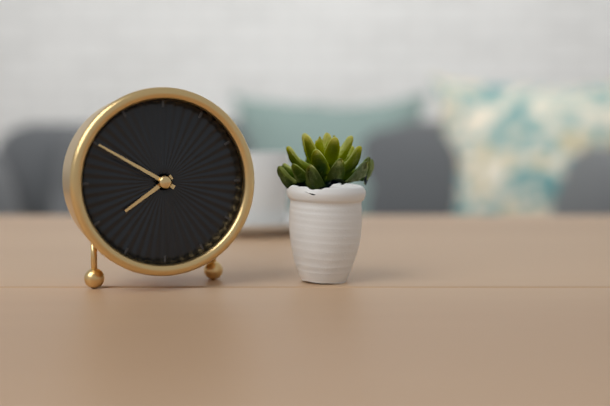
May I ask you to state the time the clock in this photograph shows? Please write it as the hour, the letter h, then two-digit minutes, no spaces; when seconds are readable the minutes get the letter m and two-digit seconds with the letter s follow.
7h50
